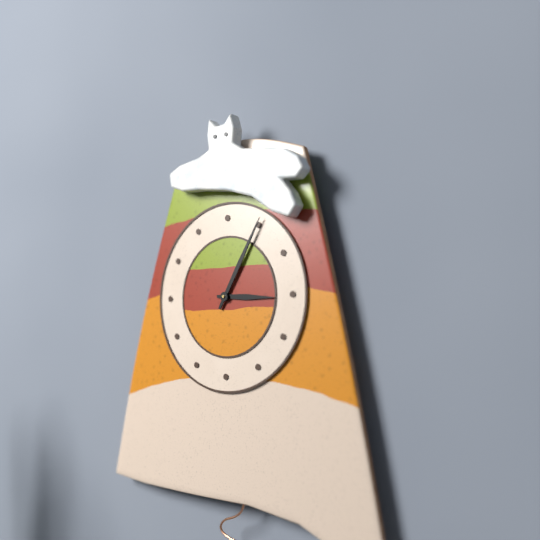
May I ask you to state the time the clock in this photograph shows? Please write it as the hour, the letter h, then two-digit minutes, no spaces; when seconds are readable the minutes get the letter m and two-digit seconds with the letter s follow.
3h05
